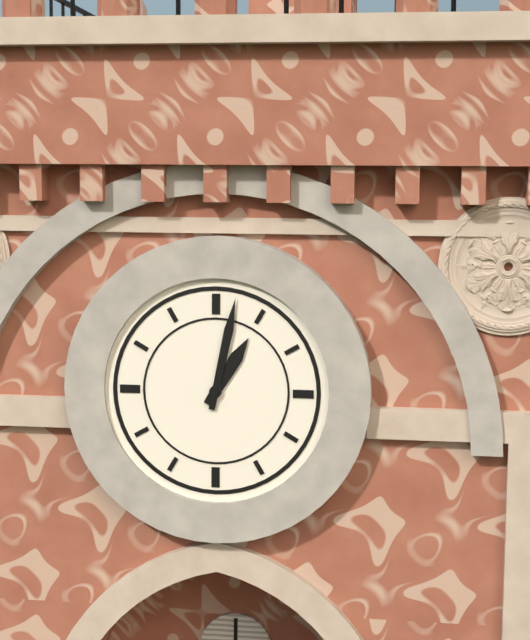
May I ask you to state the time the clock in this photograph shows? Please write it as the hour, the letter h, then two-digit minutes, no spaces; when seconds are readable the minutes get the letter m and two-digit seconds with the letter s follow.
1h02
